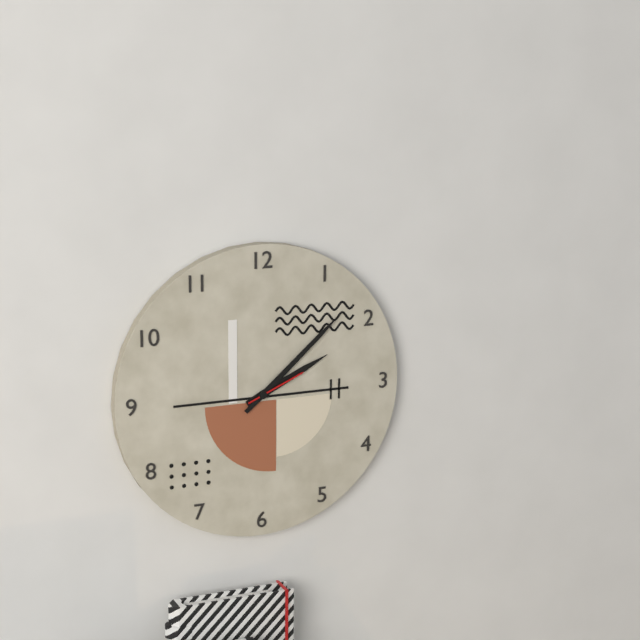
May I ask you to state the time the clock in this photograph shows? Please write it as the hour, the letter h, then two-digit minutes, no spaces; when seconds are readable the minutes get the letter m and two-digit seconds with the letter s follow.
2h08m11s
